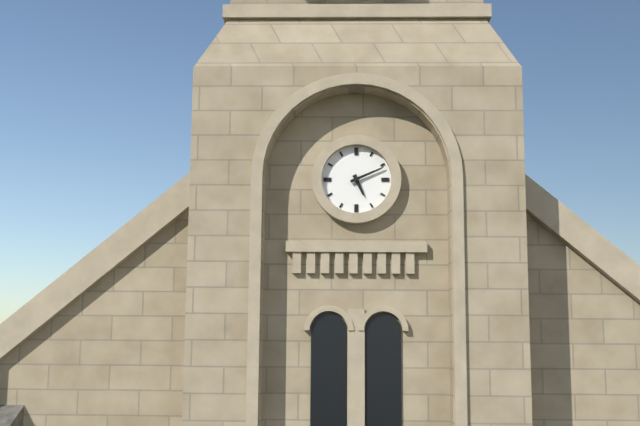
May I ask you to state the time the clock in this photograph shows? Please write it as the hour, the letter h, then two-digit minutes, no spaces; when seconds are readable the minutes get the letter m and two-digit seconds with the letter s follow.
5h11
